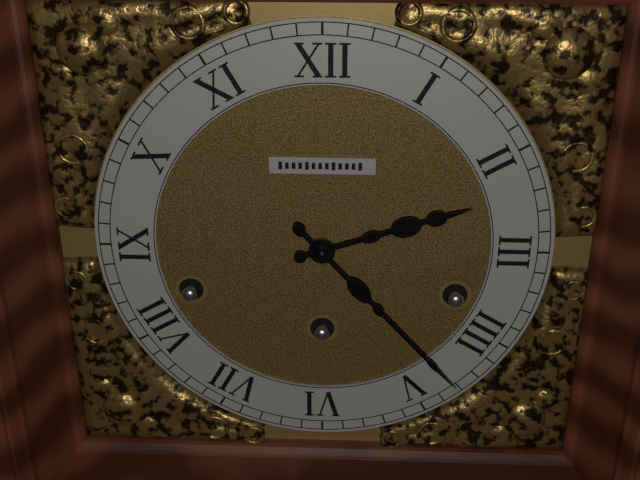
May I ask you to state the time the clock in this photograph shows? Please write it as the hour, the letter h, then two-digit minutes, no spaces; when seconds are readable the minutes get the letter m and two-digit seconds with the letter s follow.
2h23
